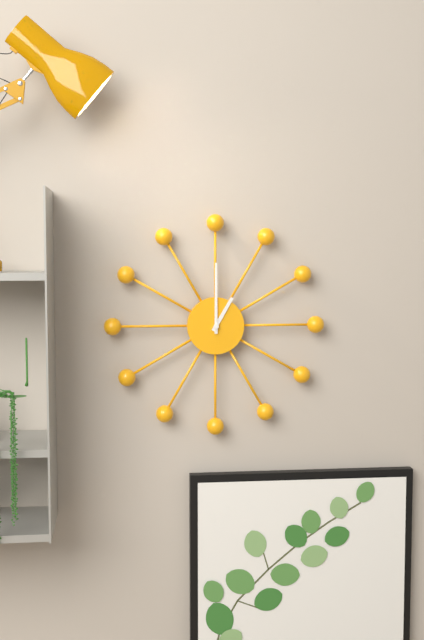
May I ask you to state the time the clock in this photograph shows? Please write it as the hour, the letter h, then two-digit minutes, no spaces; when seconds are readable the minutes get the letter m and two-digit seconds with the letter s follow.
1h00
